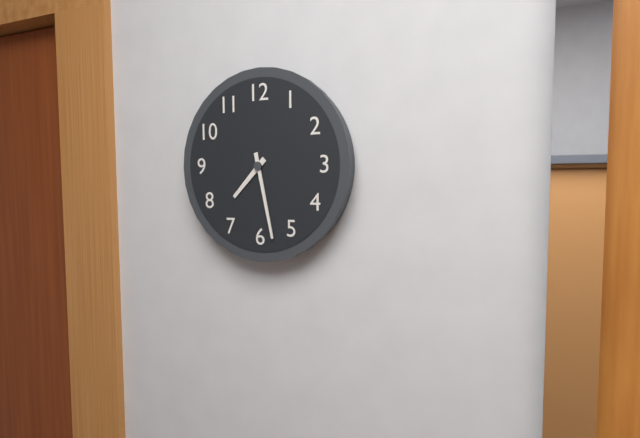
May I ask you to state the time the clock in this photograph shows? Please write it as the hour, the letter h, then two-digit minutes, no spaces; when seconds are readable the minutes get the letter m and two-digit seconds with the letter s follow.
7h28
